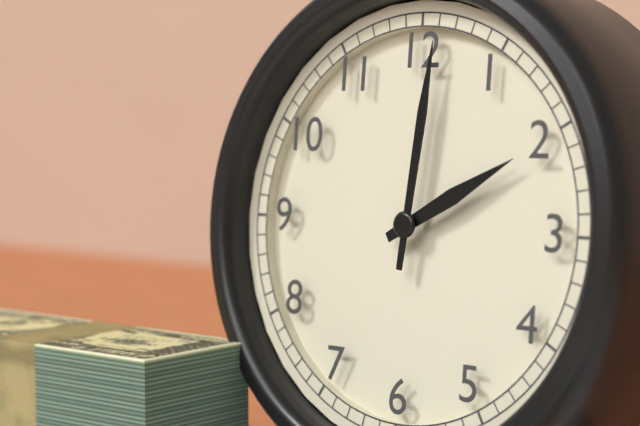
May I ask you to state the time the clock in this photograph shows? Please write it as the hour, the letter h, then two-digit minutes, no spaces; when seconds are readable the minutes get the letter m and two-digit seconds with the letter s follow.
2h01
